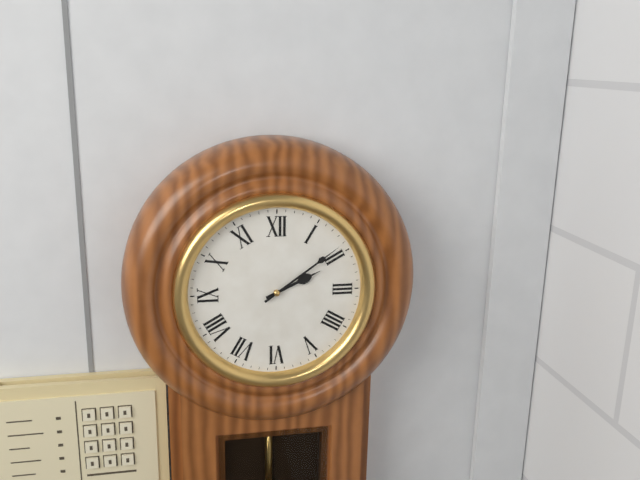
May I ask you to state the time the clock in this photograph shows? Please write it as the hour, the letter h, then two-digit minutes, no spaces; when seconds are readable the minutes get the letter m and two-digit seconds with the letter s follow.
2h09
